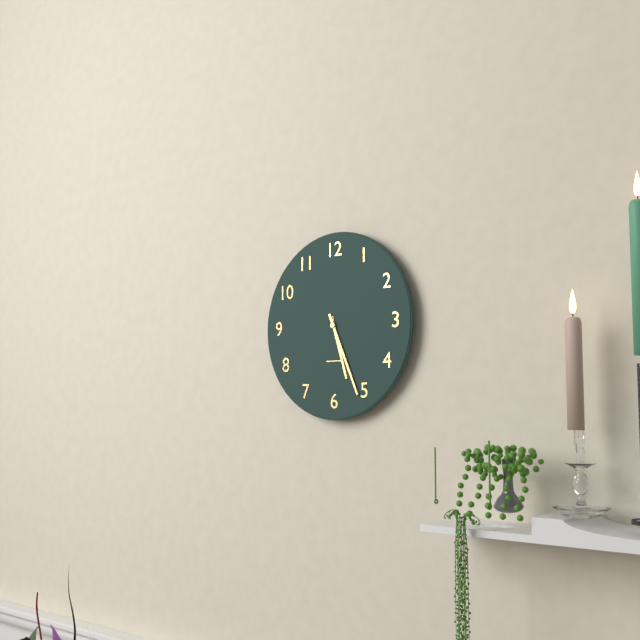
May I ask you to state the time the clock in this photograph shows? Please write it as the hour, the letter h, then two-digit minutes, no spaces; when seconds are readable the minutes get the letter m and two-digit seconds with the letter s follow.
5h26
